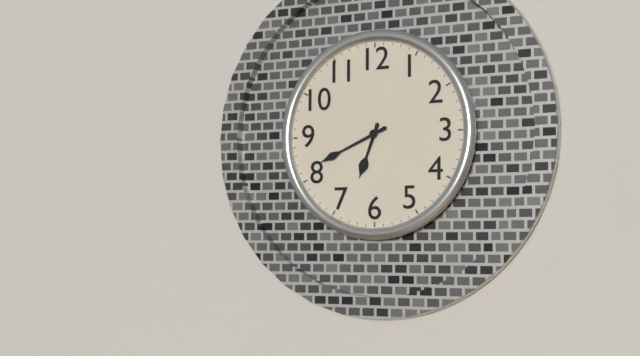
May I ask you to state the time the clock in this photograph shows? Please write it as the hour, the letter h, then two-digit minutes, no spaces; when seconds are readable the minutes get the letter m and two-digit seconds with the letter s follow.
6h41
